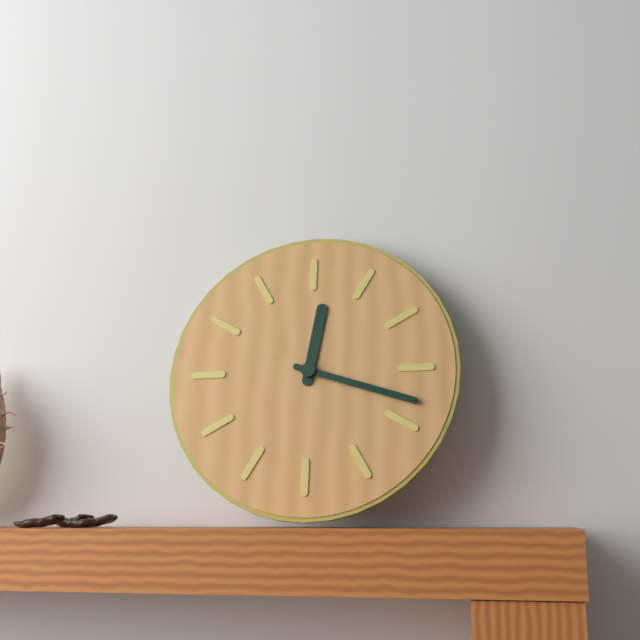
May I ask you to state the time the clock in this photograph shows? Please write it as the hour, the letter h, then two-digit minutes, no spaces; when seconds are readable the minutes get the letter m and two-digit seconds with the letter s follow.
12h18
